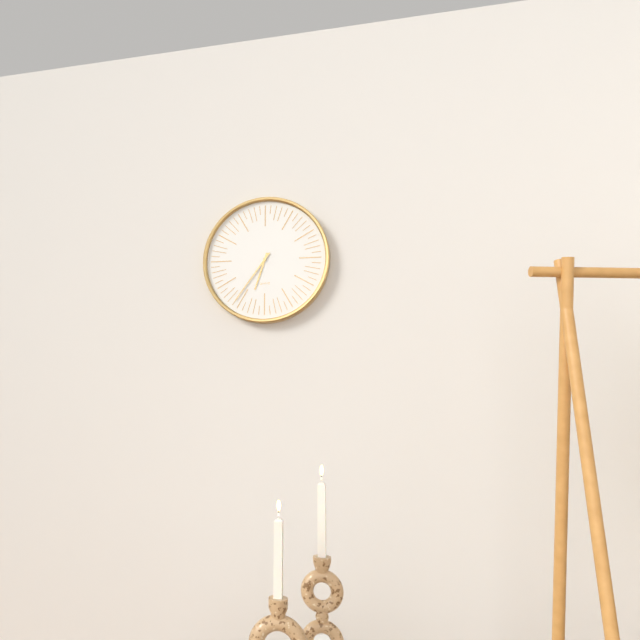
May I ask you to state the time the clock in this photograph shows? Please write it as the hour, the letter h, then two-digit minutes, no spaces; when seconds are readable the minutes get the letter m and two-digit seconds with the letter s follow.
6h36
